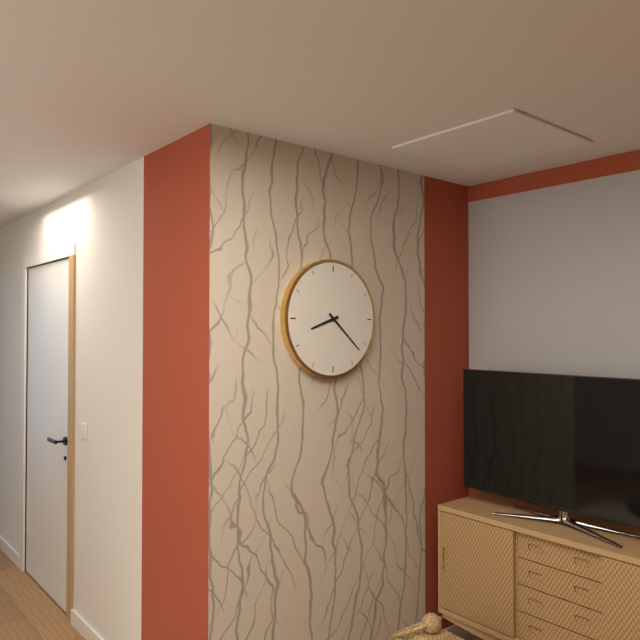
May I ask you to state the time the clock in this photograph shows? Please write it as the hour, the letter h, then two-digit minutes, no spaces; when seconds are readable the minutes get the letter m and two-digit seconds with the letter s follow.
8h22
